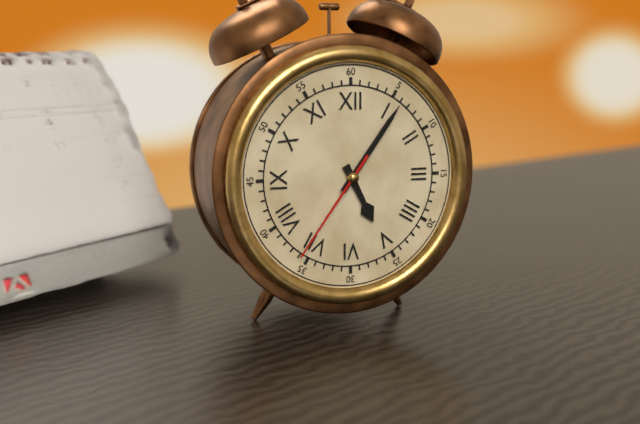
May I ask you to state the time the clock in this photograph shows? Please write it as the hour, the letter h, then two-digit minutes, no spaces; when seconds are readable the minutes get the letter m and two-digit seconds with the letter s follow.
5h06m36s
